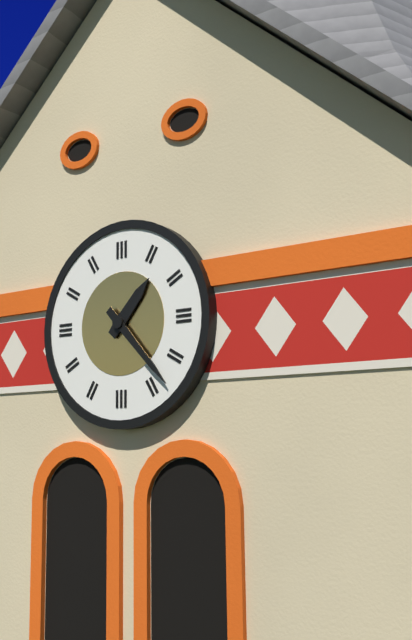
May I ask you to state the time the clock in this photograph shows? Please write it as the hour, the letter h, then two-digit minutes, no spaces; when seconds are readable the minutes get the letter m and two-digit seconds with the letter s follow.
1h23
